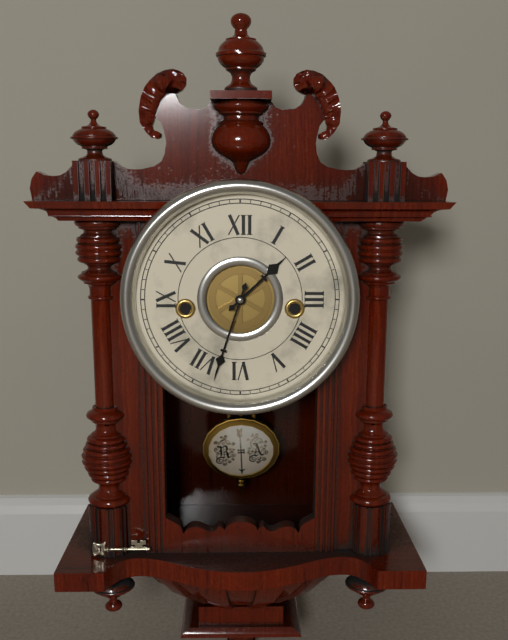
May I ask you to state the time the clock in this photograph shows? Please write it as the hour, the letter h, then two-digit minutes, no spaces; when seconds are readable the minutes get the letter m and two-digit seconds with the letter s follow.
1h33
